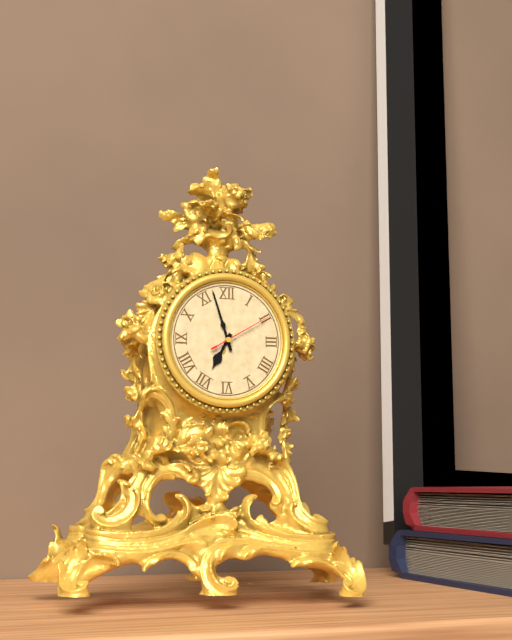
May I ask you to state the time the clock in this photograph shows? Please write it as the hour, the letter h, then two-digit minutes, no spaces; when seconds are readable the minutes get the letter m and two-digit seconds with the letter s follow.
6h57m10s
